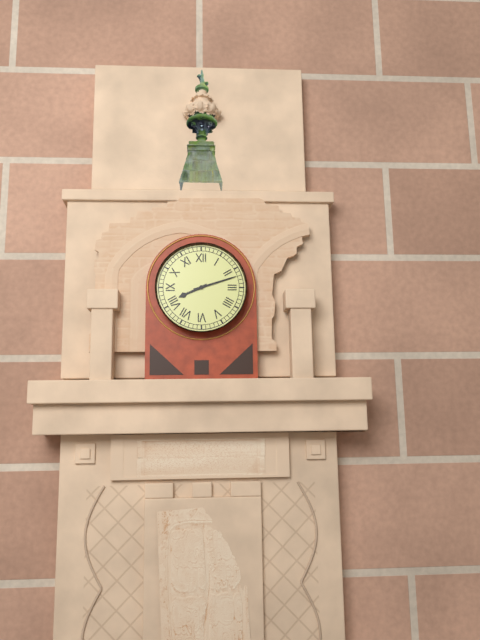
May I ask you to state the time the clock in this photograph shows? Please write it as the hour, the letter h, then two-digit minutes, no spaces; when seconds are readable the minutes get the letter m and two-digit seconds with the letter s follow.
8h12
